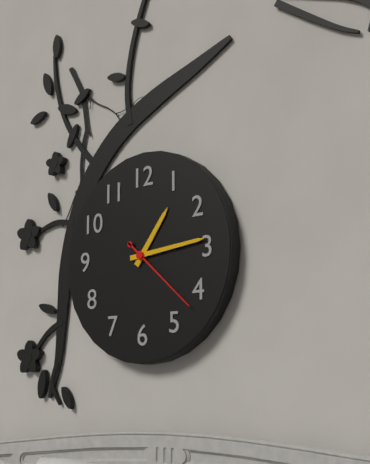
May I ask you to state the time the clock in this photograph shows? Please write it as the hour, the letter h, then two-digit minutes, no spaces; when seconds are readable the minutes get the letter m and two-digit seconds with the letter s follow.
1h14m22s
